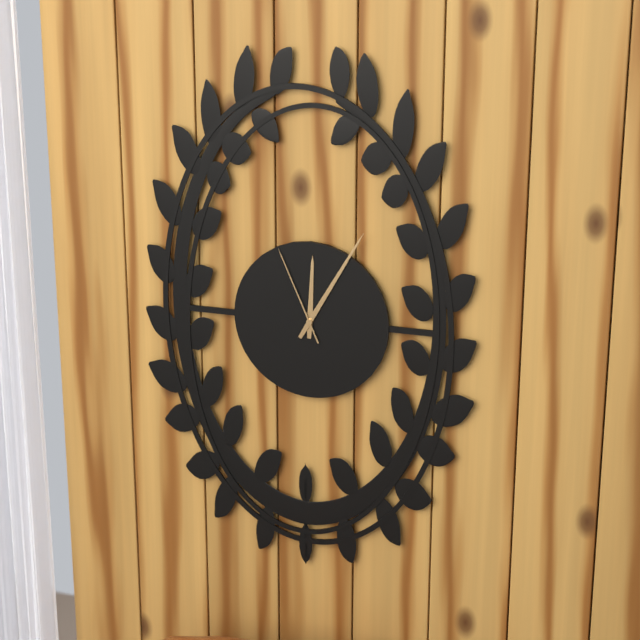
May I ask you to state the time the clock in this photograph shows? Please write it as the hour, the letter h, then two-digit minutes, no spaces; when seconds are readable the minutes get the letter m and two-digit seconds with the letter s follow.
12h05m56s
